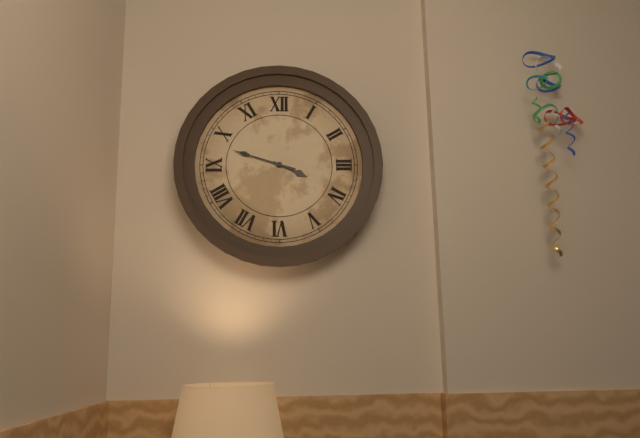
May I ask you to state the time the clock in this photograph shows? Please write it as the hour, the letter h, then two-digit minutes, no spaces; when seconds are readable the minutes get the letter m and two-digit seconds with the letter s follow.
3h48
